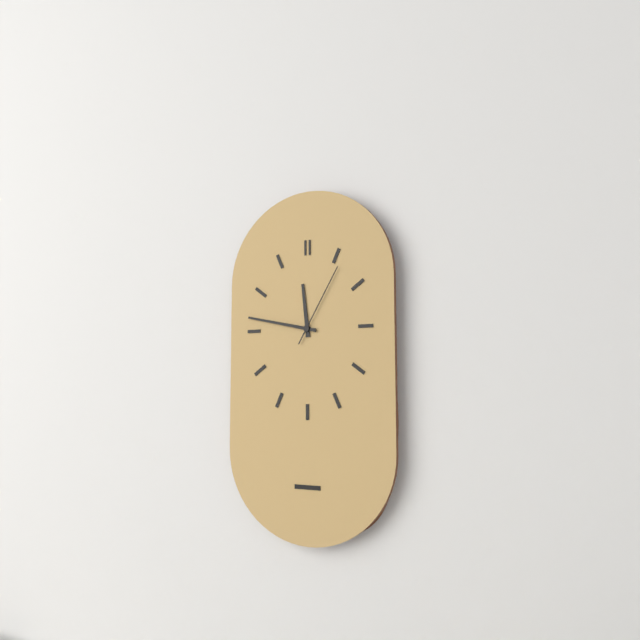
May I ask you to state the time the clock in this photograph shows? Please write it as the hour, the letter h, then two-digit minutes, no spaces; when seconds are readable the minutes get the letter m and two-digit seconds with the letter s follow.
11h47m05s
